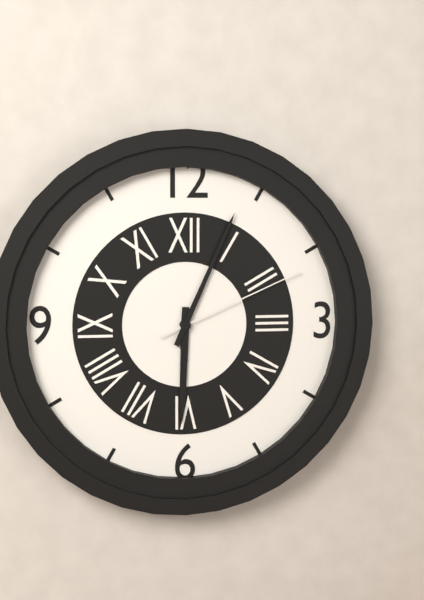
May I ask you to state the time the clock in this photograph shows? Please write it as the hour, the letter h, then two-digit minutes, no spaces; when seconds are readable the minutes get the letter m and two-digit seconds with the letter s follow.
6h04m11s
